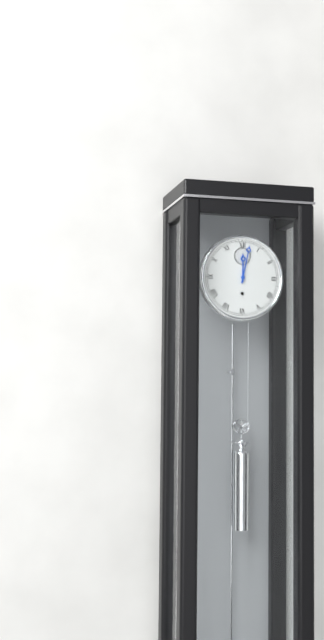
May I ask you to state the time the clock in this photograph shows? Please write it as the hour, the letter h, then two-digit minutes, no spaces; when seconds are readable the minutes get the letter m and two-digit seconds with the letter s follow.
12h02
